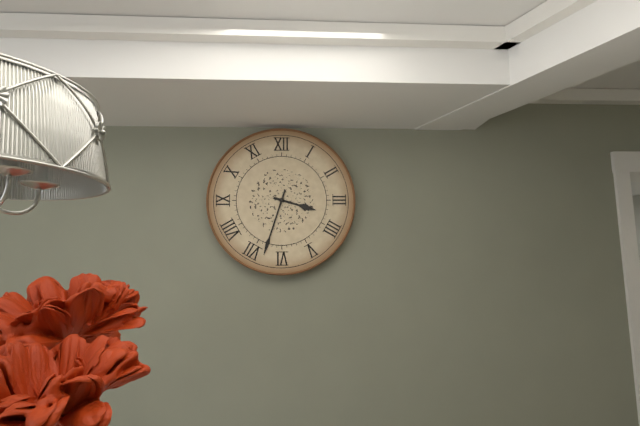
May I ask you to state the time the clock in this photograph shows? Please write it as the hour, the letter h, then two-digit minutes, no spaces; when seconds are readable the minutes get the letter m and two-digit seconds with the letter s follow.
3h33
